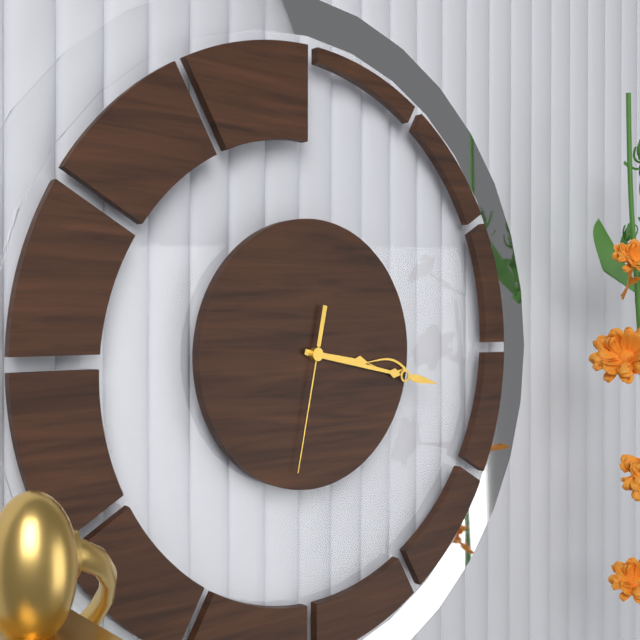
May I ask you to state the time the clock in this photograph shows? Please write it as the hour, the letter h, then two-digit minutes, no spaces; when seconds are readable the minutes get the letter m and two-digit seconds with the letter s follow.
3h17m32s
